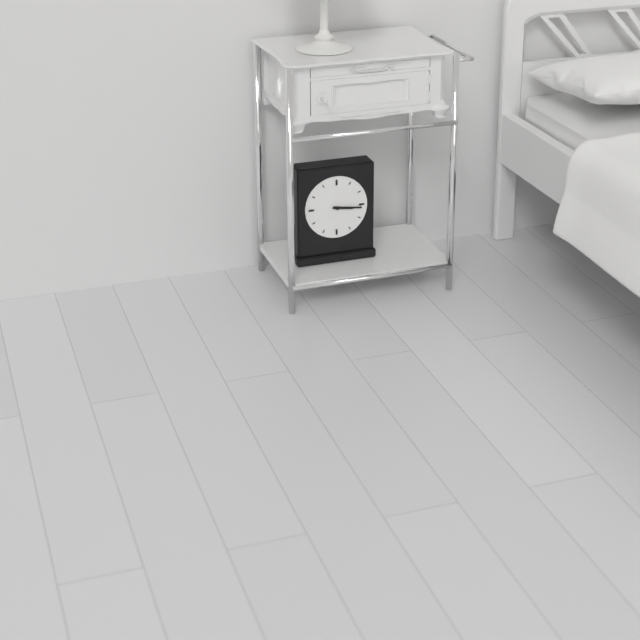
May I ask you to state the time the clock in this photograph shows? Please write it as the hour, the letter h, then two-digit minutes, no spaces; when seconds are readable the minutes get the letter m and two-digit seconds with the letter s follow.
3h16
